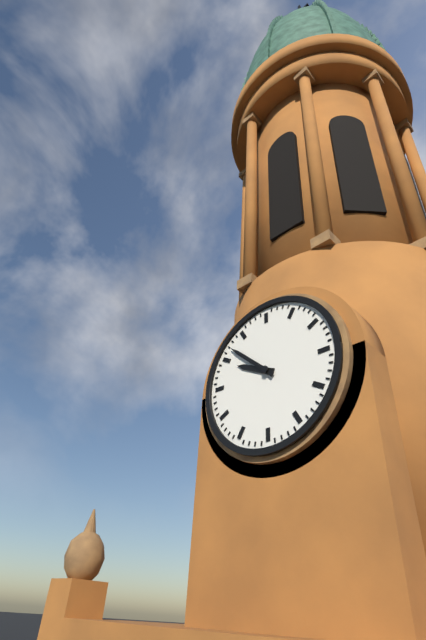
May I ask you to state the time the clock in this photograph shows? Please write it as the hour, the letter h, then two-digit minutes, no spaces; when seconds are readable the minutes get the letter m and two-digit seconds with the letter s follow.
9h52
